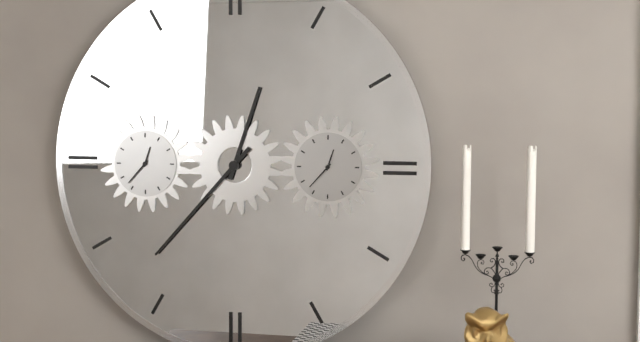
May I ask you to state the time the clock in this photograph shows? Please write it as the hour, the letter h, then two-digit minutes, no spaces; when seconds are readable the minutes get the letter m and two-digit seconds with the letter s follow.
12h37
